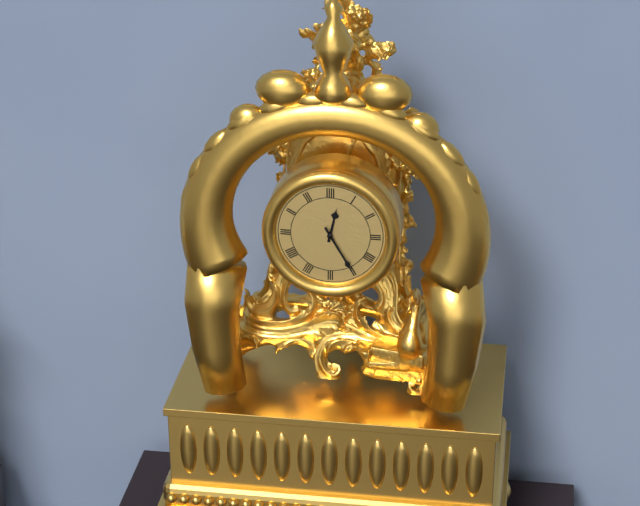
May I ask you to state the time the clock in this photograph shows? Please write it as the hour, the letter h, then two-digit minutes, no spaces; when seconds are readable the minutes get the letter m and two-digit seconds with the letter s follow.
12h25
